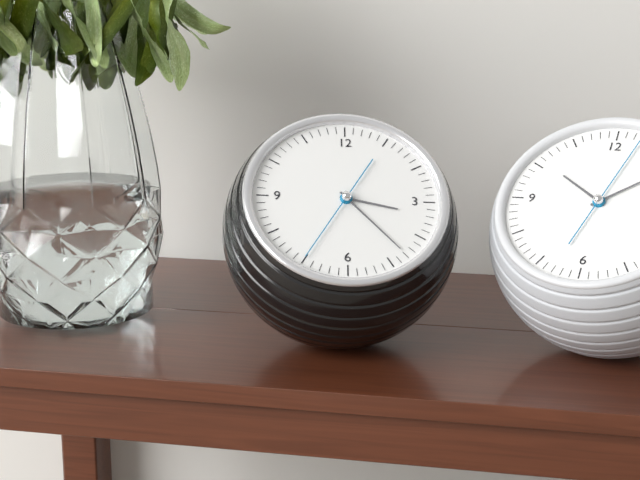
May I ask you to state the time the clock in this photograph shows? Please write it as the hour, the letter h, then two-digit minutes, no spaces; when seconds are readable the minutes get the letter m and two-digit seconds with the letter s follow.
3h23m35s
